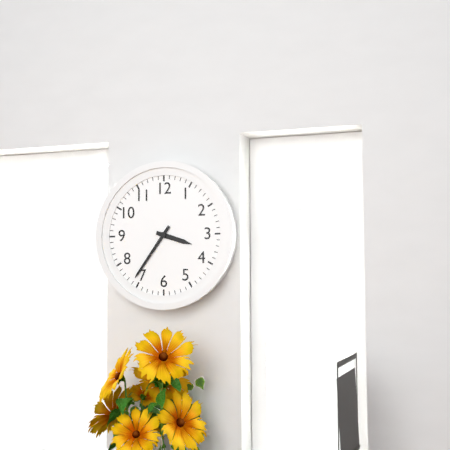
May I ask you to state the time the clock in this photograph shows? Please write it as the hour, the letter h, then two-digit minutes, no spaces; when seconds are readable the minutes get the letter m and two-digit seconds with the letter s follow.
3h36
